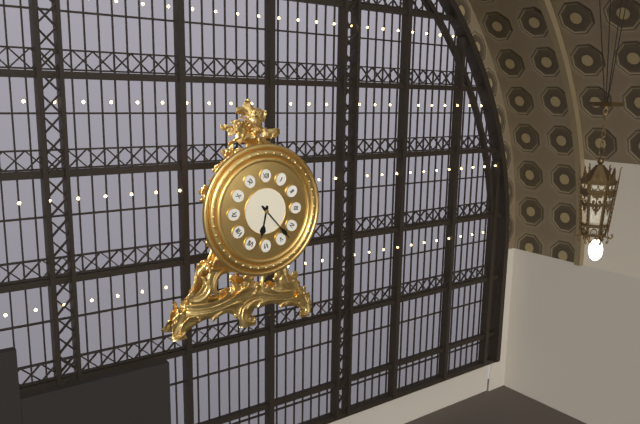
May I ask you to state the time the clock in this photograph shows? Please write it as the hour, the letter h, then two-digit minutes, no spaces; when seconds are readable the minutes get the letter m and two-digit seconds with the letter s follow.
6h23
